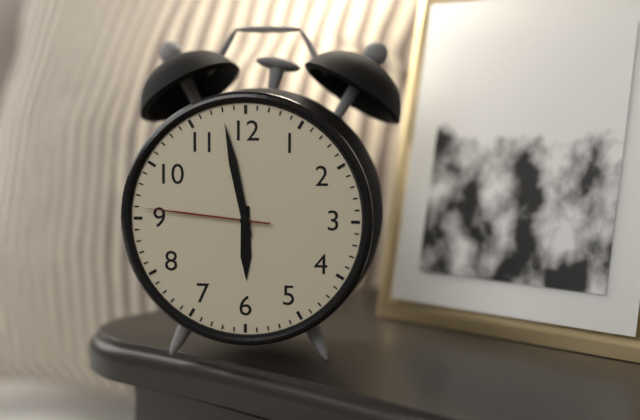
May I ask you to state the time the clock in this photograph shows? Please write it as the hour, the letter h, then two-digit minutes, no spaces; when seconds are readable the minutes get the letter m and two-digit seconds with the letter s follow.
5h58m46s
